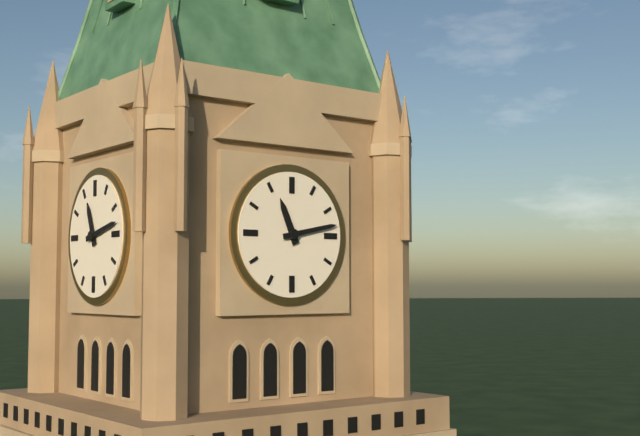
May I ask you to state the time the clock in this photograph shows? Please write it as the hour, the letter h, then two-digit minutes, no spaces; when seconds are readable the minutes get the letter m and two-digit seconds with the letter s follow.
11h13
